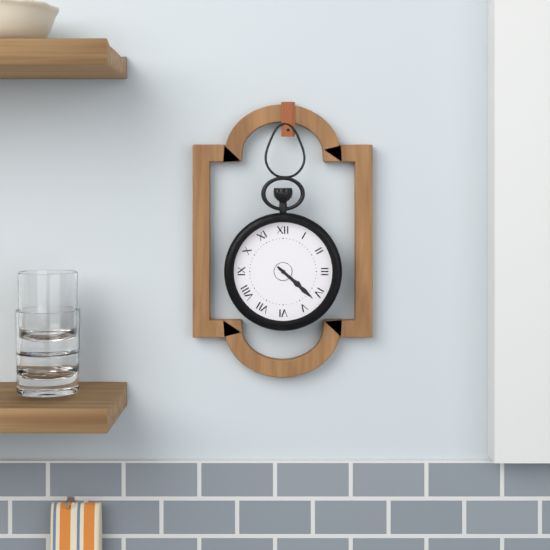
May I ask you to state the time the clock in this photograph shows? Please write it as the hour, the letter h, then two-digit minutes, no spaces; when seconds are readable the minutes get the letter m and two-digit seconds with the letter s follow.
4h22
